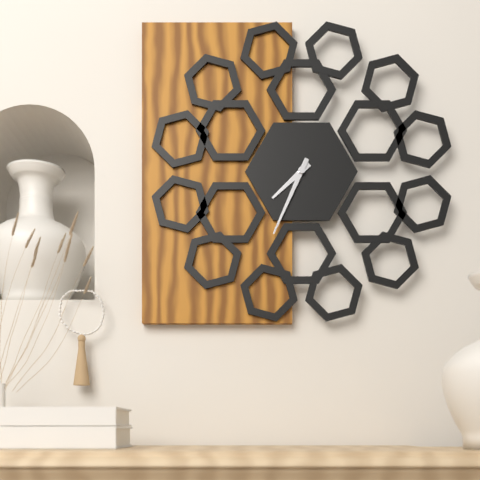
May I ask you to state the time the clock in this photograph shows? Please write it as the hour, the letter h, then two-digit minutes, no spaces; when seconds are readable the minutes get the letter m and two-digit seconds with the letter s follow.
7h34
